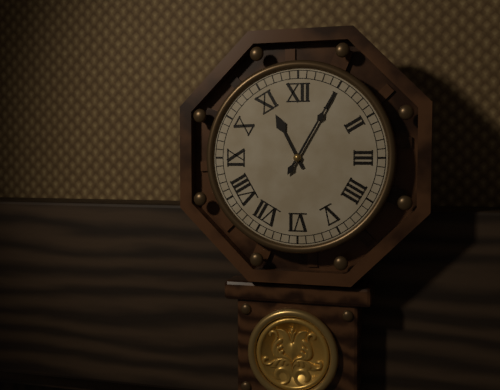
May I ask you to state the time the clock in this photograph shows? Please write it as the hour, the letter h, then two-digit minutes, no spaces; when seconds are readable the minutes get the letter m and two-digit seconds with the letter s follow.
11h05
